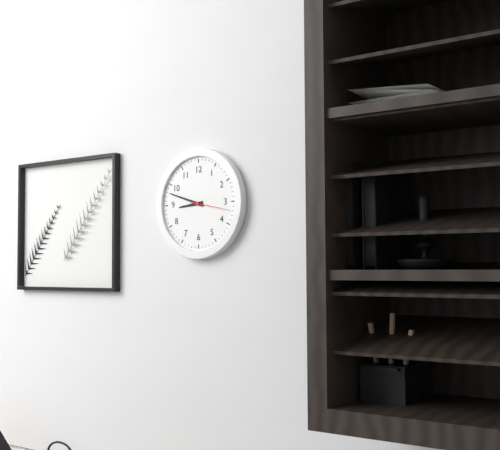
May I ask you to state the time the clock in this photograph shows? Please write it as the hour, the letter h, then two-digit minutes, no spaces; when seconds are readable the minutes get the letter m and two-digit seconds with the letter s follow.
8h48
